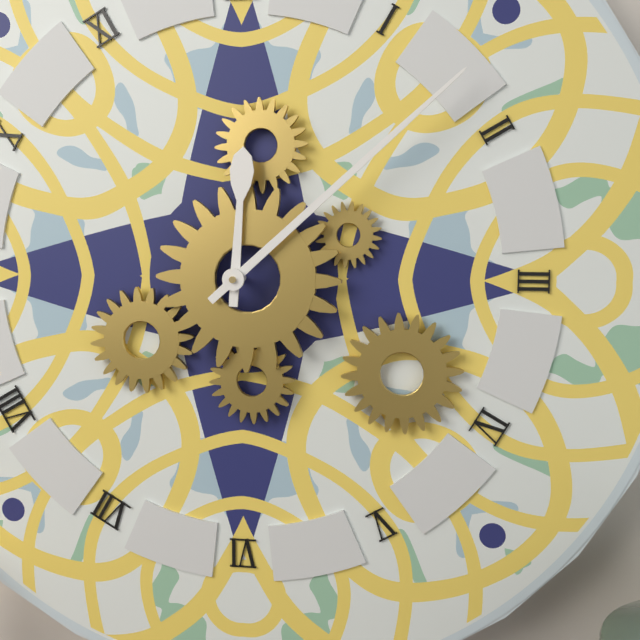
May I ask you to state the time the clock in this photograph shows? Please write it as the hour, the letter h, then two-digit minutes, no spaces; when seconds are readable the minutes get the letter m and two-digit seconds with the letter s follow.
12h08
